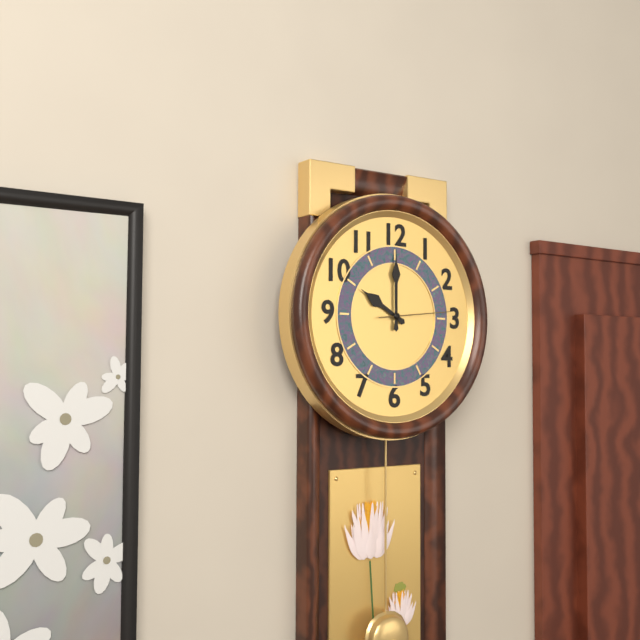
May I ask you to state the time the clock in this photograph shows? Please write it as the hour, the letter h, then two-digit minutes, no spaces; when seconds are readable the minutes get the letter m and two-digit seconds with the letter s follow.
10h00m14s
